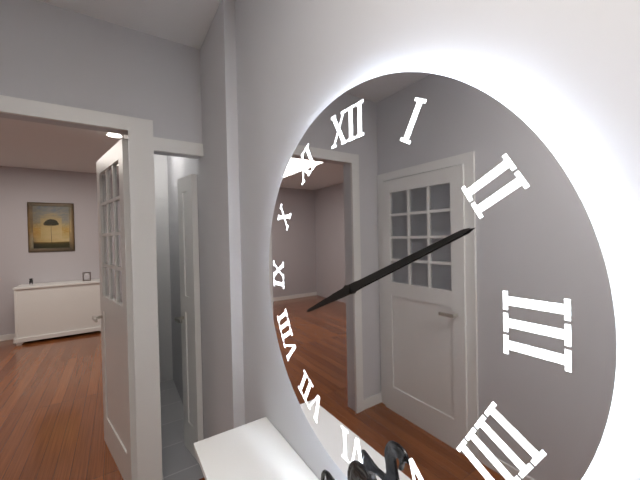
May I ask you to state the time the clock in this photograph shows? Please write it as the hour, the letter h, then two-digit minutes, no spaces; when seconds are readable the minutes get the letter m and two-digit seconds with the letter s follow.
8h11
